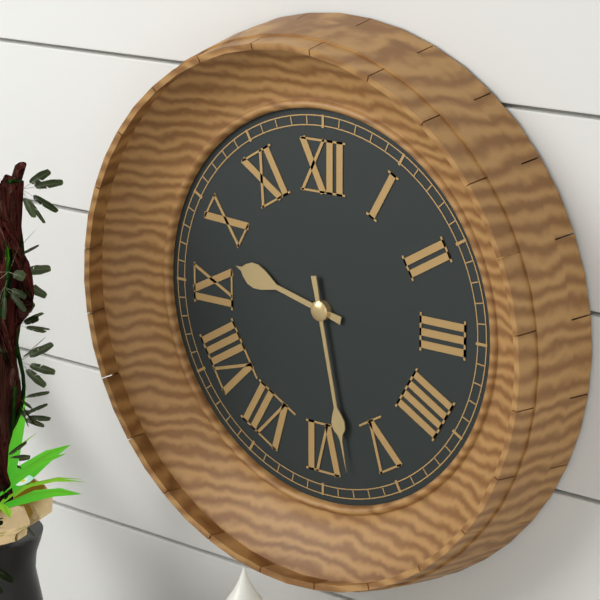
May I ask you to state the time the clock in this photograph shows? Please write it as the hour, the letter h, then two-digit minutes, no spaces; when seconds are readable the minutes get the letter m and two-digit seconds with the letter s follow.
9h28
